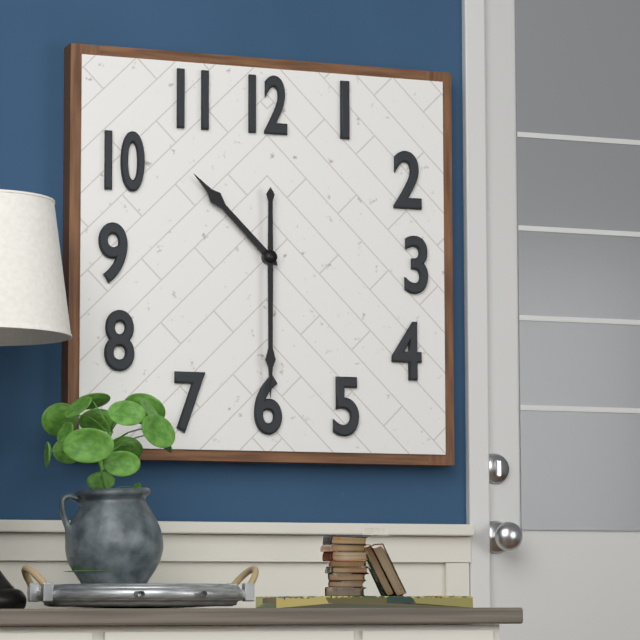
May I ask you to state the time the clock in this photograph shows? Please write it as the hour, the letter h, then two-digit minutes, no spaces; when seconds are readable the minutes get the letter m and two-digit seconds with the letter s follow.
10h30
